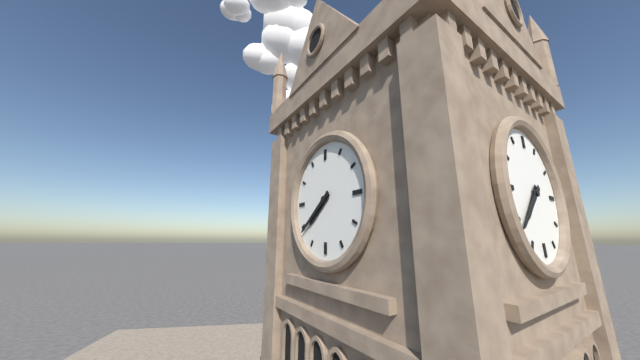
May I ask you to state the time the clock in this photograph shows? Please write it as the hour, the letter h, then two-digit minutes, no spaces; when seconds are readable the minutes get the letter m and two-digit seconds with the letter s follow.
7h39
